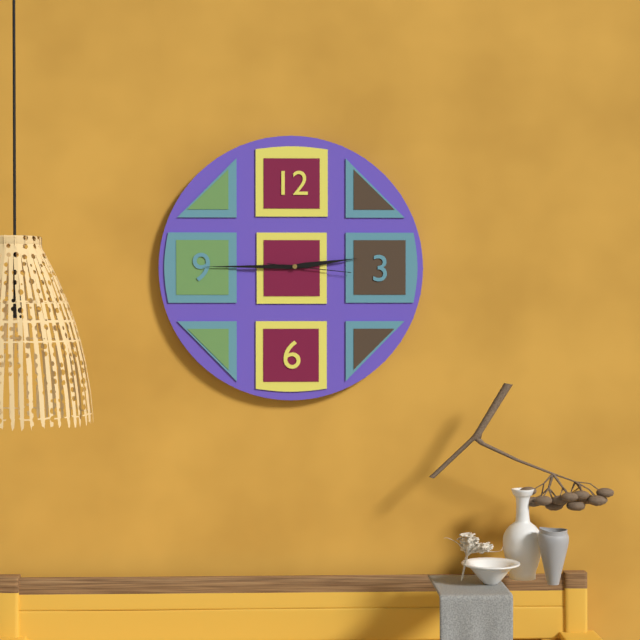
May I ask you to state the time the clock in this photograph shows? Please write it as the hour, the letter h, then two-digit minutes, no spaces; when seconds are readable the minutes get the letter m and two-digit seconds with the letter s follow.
2h45m16s
